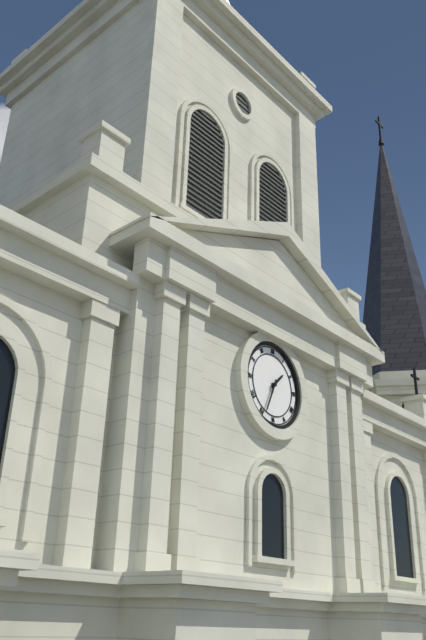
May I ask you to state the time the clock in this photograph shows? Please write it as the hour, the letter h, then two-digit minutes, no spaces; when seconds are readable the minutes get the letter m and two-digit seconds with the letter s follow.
1h34
